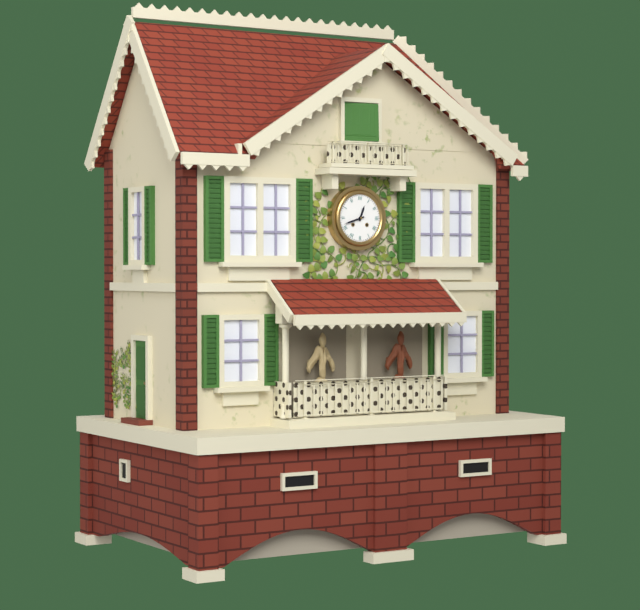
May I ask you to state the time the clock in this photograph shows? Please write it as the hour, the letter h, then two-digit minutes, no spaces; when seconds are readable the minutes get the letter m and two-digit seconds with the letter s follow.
12h42
